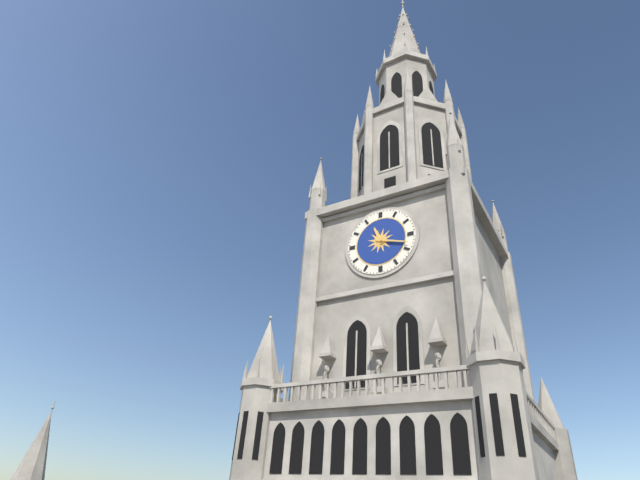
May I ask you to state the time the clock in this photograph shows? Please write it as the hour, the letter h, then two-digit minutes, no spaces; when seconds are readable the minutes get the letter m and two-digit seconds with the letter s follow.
11h18
